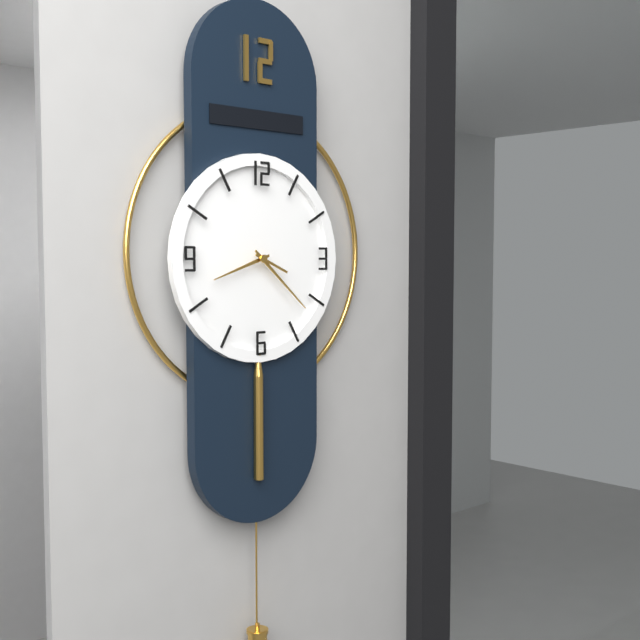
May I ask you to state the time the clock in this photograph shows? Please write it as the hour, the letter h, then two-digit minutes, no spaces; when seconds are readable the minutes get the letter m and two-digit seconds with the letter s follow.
8h22
